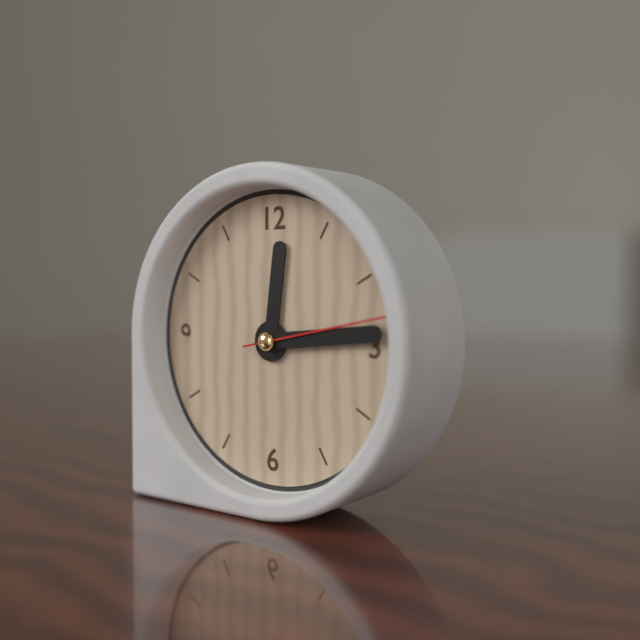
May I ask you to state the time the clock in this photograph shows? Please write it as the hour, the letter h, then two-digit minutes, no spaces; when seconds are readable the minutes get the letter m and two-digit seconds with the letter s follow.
12h14m13s
